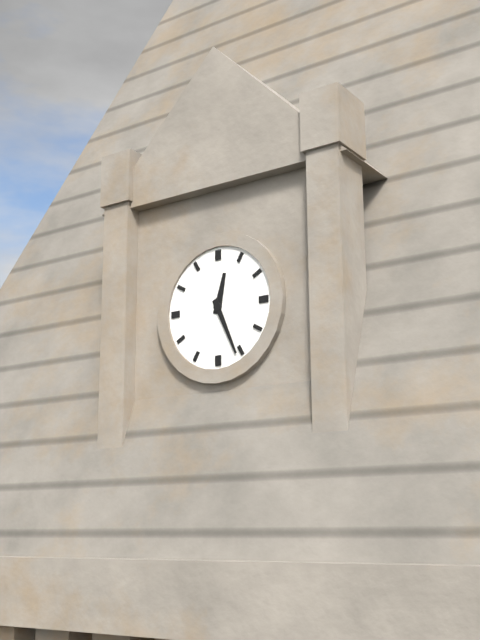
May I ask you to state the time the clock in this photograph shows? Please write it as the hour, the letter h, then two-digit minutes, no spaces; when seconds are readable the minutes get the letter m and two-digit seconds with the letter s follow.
12h26
